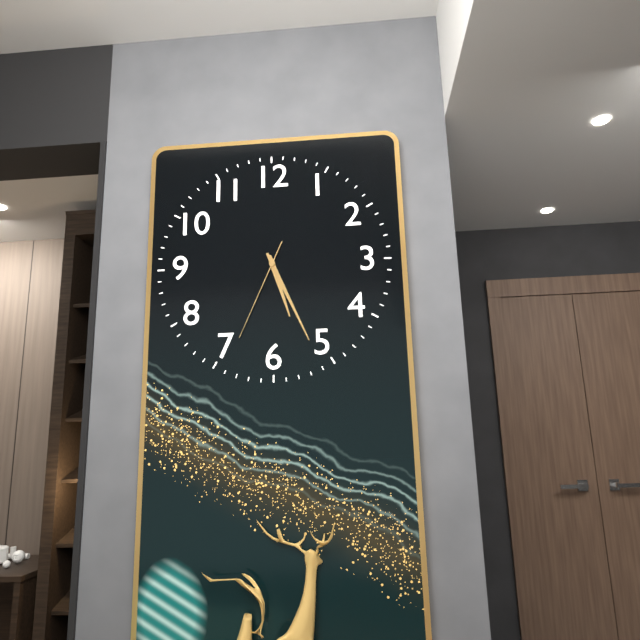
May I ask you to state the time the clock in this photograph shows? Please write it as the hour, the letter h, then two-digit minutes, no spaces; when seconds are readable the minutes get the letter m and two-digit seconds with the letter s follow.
5h26m34s
